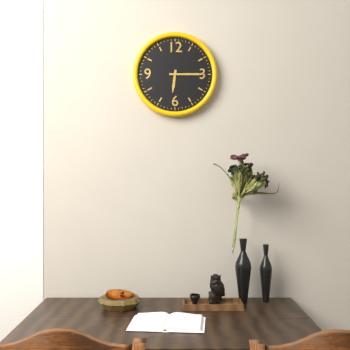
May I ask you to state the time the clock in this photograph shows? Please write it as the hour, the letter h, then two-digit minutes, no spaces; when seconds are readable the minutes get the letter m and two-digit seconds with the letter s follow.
6h15
